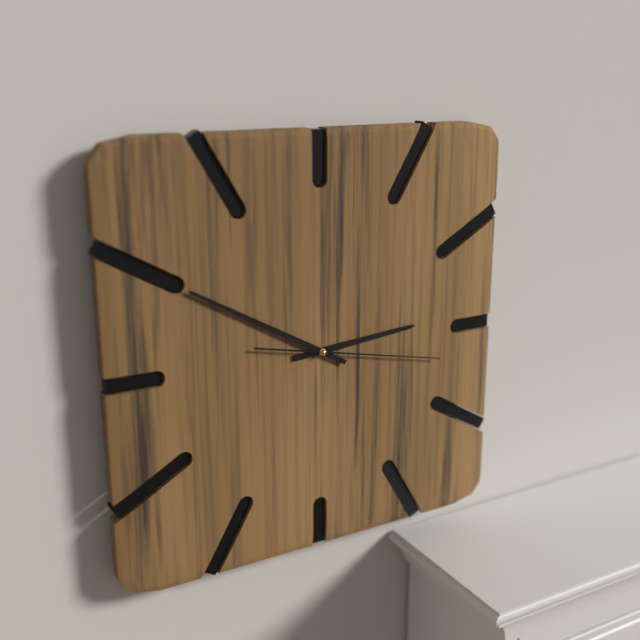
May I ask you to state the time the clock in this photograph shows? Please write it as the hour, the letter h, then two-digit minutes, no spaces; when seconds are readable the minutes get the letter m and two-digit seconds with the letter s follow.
2h50m17s
